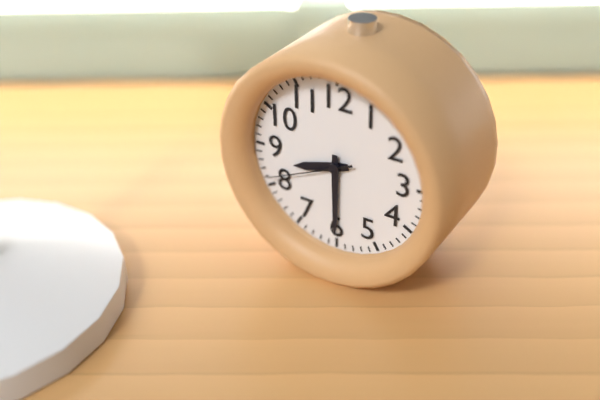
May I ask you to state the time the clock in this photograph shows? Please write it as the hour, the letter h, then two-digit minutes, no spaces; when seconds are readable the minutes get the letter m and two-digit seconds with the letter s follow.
8h30m41s
